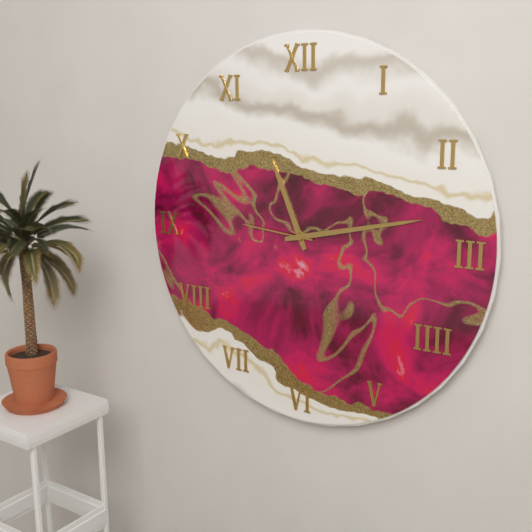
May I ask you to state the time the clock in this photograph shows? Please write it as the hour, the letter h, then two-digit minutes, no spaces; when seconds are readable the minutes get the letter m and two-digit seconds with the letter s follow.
11h13m46s
